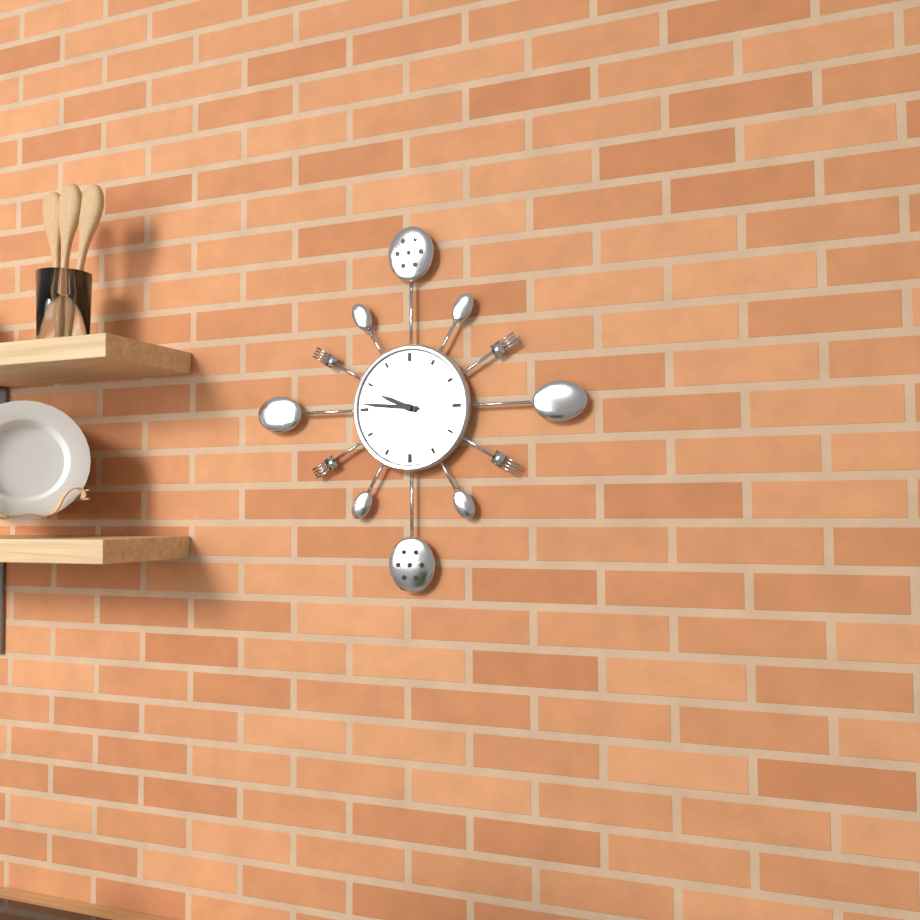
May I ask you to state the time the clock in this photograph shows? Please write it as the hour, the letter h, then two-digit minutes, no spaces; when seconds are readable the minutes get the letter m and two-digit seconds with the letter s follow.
9h46
